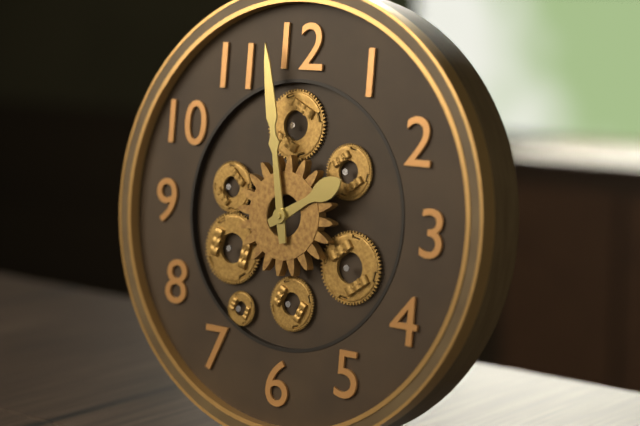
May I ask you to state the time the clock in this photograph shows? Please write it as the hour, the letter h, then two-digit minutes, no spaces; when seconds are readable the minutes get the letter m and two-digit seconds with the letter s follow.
1h58
